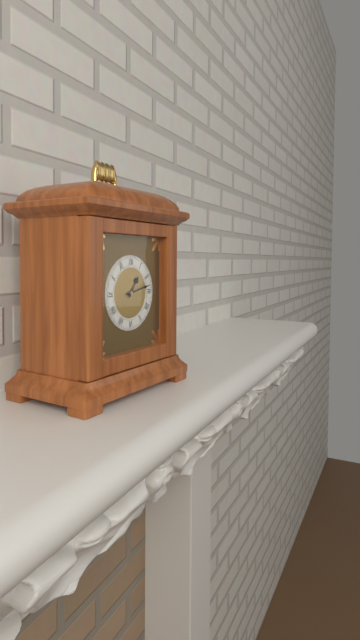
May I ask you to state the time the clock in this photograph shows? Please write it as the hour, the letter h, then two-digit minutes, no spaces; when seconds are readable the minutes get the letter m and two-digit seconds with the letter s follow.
1h13
